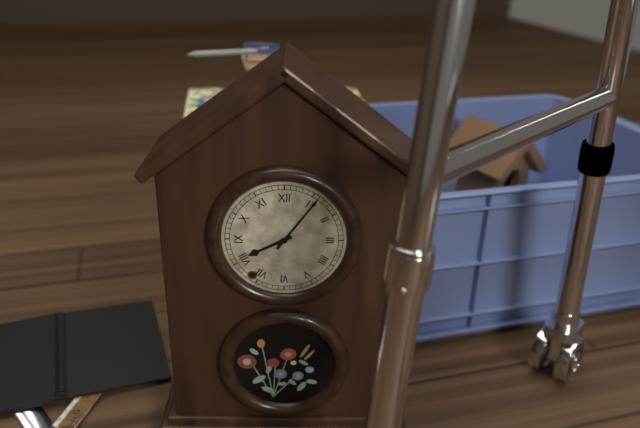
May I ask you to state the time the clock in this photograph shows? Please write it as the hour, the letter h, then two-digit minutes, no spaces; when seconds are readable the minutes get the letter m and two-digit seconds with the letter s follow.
8h06
